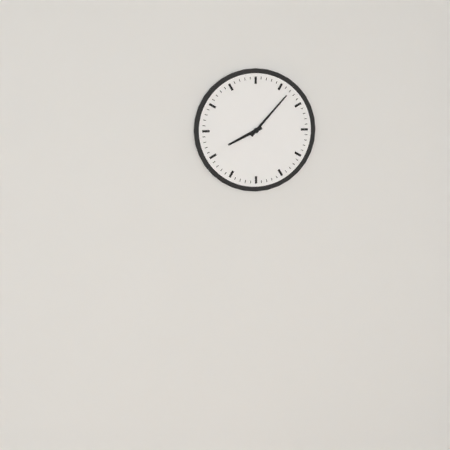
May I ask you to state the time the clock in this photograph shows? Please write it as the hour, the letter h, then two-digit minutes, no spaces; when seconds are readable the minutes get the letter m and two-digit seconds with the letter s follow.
8h07
